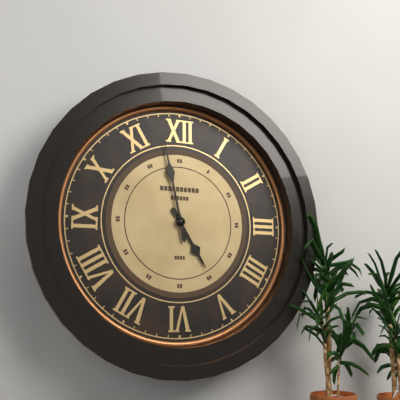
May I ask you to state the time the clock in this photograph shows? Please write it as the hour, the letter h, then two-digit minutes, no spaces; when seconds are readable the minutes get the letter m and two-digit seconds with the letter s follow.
4h58
